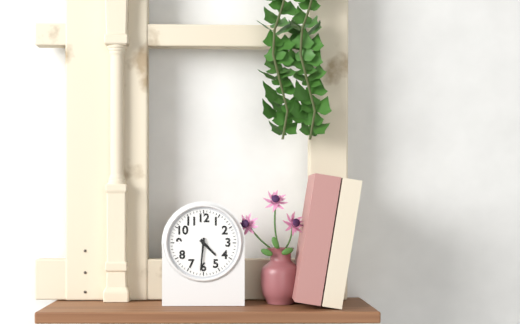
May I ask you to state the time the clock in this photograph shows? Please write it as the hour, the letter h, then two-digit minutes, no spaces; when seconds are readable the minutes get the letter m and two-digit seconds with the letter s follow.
4h31
